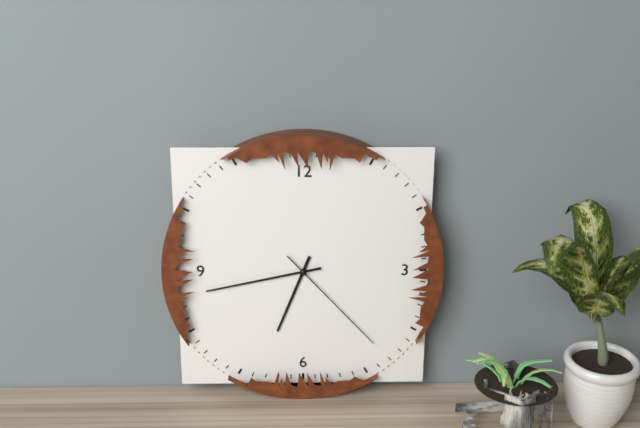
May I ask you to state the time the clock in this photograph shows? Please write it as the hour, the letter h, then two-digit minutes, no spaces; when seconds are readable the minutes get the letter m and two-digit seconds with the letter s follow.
6h43m23s
